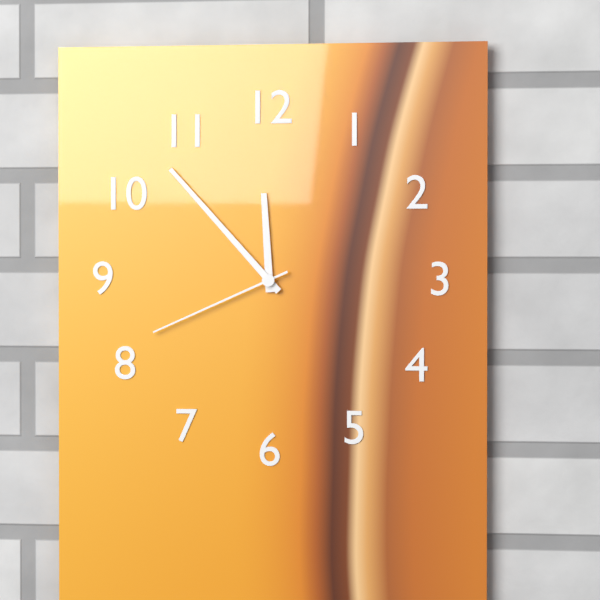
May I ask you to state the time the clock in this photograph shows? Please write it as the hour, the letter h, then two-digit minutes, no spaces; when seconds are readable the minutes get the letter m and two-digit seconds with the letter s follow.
11h53m41s
